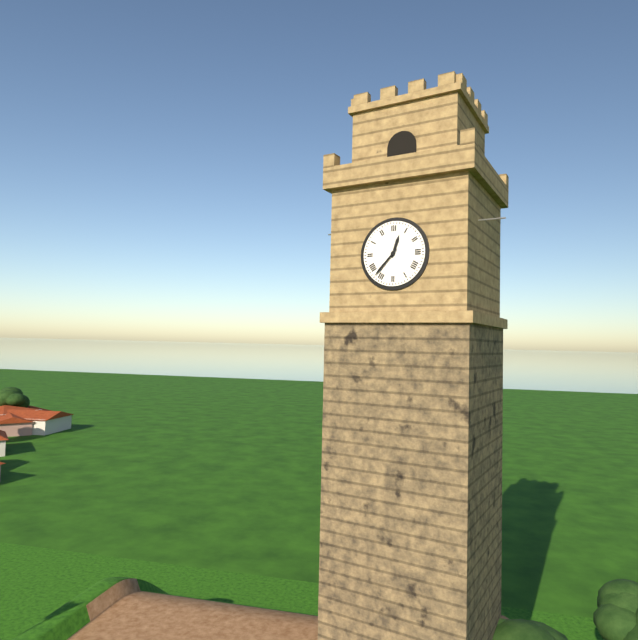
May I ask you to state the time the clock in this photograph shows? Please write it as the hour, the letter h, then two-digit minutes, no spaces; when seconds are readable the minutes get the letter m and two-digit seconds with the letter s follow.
12h37
